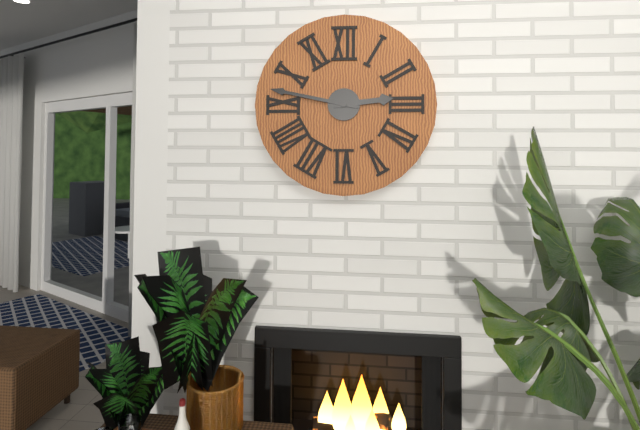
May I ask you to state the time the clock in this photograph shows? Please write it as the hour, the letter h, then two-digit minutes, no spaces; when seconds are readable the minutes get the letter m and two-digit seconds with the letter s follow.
2h47
